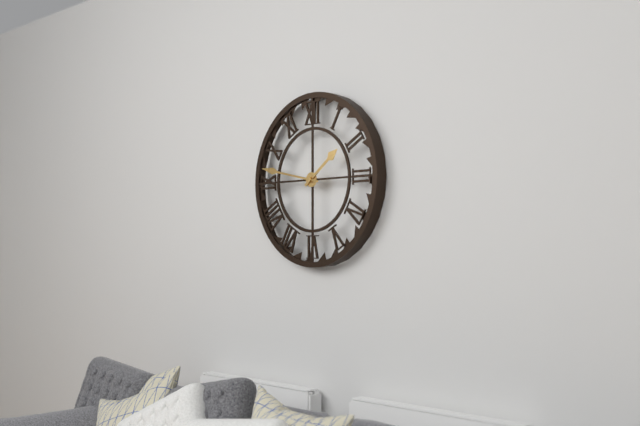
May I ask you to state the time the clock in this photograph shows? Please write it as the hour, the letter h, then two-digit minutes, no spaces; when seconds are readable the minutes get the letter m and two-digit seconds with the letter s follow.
1h47
